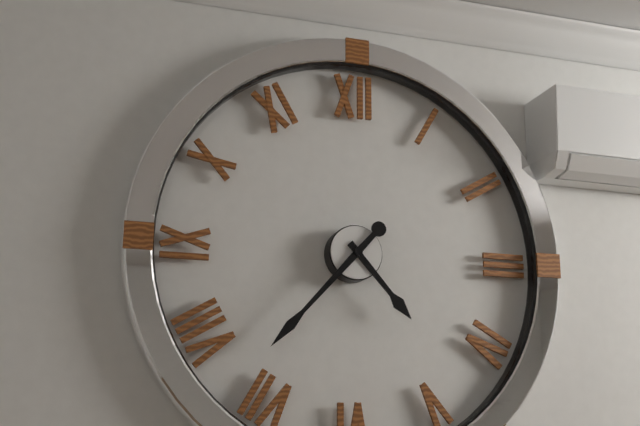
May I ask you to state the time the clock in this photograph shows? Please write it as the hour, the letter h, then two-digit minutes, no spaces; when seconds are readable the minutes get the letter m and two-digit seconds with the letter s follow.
4h37
